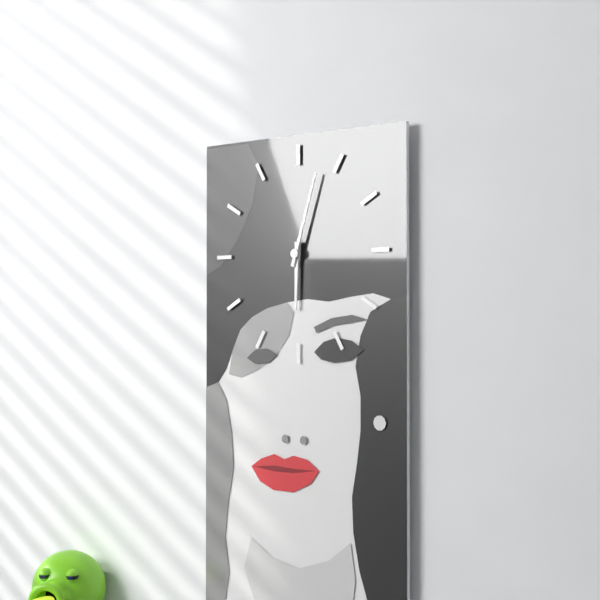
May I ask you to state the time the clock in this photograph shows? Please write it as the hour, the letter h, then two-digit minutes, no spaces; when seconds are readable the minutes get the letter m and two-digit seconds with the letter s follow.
6h03
